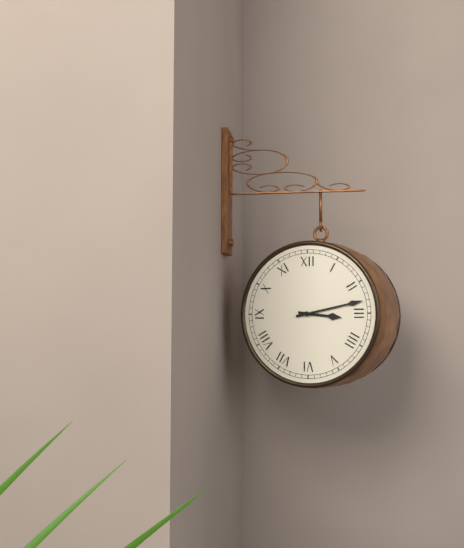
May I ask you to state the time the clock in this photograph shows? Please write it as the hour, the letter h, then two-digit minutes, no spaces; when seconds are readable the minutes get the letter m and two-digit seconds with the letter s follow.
3h13
